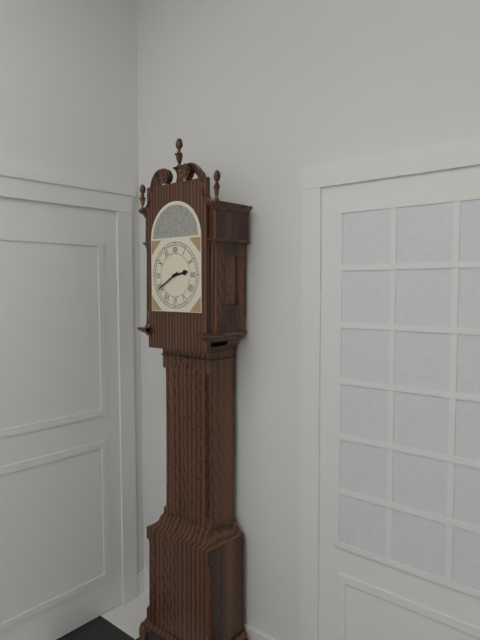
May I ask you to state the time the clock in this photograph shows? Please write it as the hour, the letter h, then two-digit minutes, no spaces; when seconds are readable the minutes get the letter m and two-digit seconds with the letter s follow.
2h40
